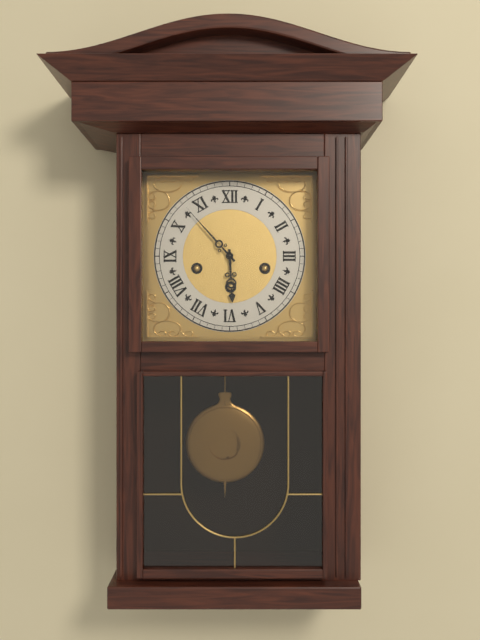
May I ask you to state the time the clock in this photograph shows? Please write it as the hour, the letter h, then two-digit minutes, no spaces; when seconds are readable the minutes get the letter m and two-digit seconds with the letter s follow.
5h53
